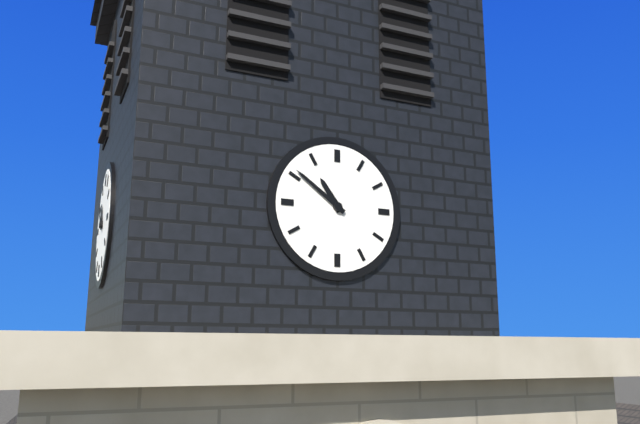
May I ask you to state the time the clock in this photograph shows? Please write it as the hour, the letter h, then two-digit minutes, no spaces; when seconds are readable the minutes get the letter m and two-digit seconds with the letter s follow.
10h51
